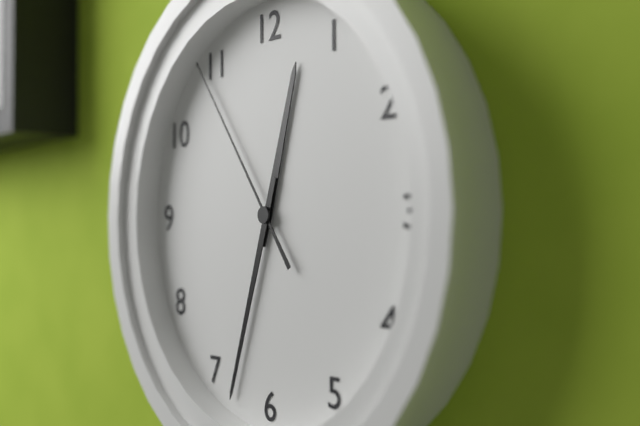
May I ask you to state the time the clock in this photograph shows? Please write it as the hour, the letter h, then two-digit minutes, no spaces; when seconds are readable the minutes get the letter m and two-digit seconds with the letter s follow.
12h33m54s
